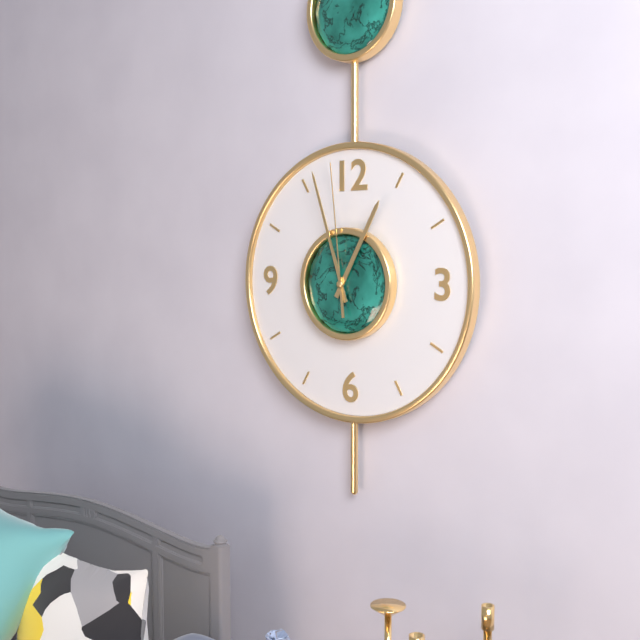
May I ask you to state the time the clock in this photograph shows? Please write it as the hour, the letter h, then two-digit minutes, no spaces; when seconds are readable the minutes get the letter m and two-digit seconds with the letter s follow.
12h57m59s
